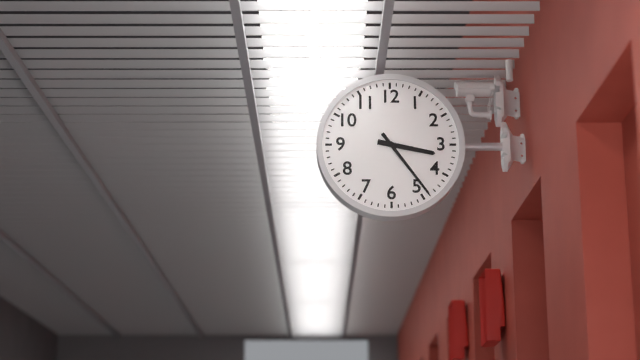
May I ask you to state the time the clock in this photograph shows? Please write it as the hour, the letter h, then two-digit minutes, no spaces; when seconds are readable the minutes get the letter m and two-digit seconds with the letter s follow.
3h24
